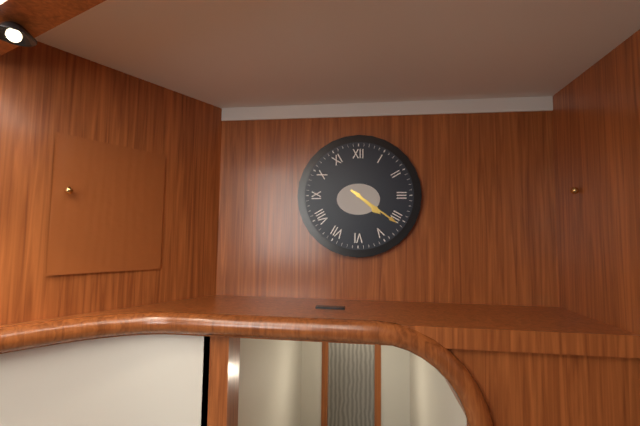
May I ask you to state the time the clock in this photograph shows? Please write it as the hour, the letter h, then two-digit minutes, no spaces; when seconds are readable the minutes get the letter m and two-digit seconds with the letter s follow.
4h21
